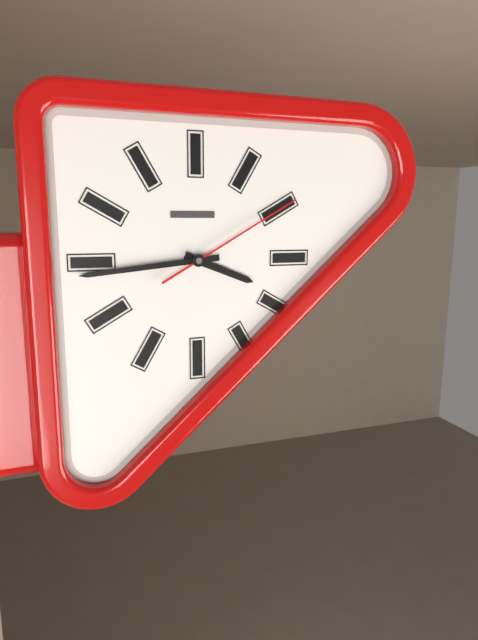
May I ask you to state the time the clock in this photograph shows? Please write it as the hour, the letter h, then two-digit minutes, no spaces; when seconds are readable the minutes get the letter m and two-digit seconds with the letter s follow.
3h44m10s
